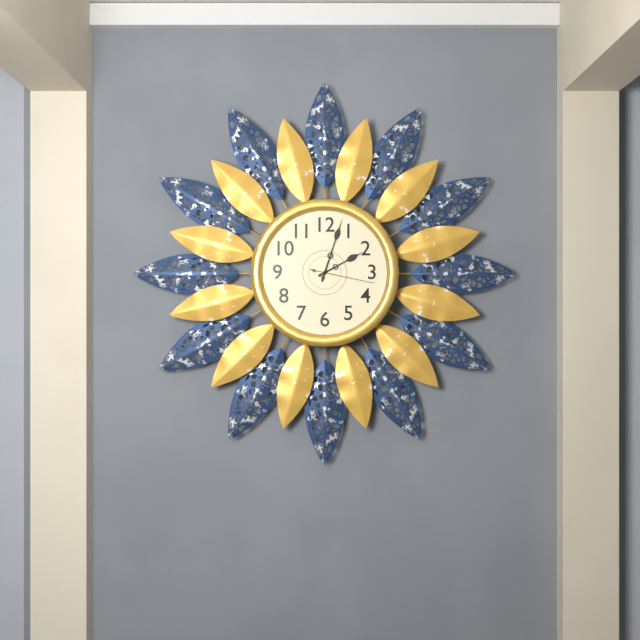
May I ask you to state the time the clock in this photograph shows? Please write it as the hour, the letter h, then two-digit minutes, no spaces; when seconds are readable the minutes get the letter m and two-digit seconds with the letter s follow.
2h03m17s
